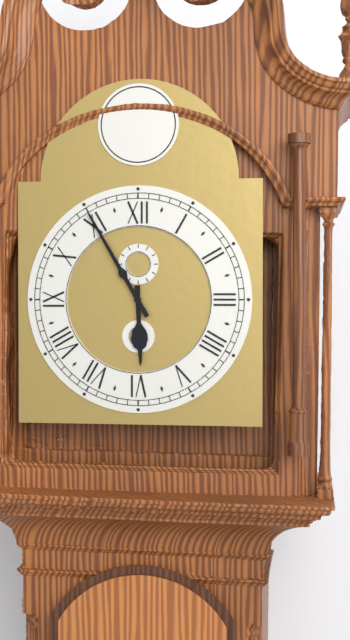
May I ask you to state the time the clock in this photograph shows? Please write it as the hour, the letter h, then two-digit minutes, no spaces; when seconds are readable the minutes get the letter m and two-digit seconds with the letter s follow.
5h55
